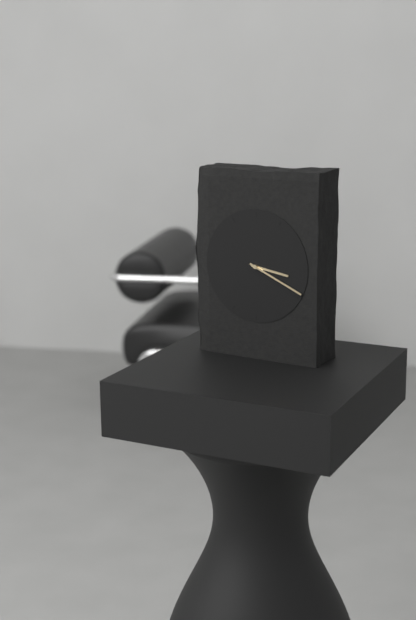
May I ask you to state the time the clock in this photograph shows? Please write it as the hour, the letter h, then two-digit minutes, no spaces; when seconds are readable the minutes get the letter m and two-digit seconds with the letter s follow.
3h19
